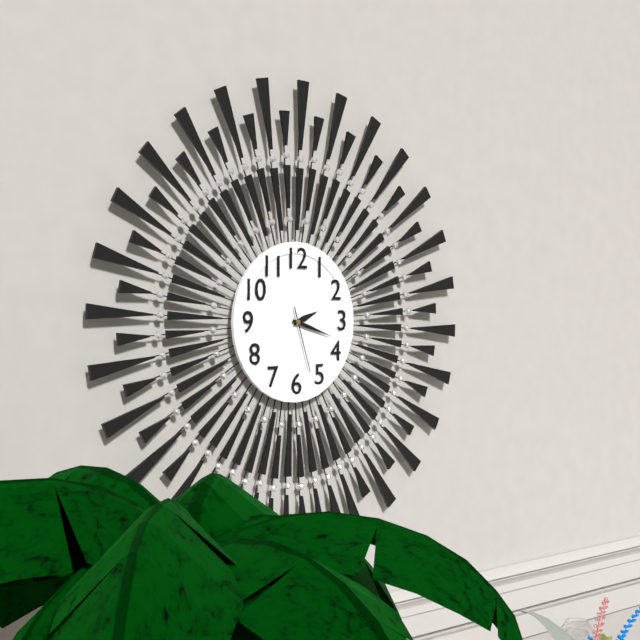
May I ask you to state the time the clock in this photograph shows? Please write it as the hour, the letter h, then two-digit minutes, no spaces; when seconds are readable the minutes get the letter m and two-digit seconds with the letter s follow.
2h18m27s
